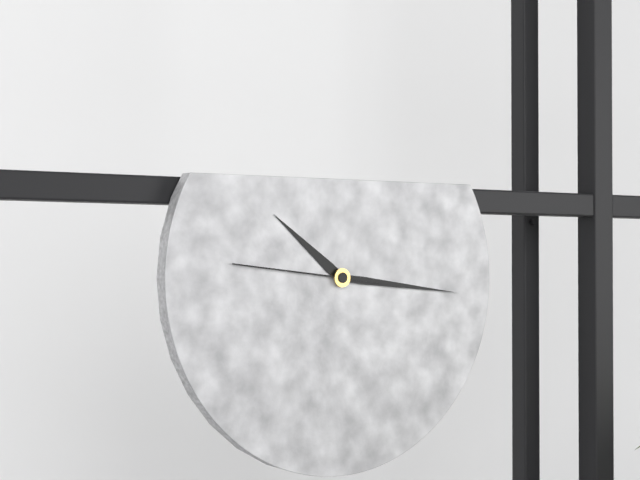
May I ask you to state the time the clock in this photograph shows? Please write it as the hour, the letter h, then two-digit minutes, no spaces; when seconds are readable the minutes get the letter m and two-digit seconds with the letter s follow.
10h16m46s
